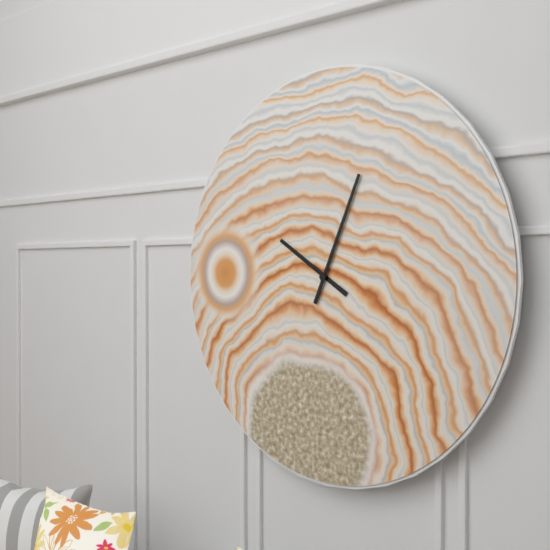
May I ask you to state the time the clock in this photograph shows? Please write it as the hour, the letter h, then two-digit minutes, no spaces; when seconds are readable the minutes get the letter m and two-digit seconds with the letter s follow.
10h04
